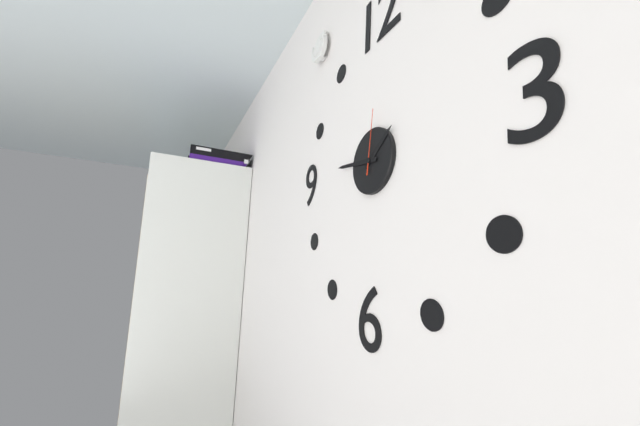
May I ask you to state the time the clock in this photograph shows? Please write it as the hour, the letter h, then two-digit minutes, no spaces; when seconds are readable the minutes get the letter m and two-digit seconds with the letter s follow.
1h46m01s
